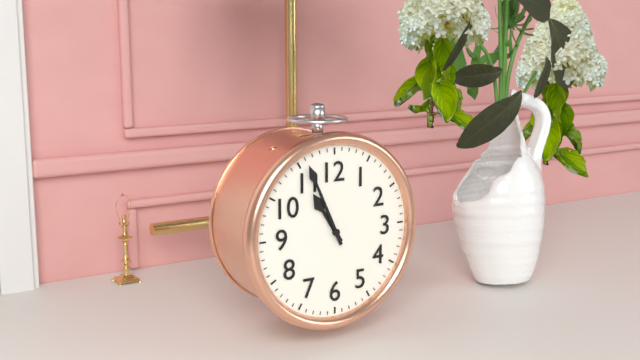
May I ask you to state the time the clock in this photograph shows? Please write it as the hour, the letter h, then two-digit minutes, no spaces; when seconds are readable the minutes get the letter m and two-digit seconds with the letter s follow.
10h56
